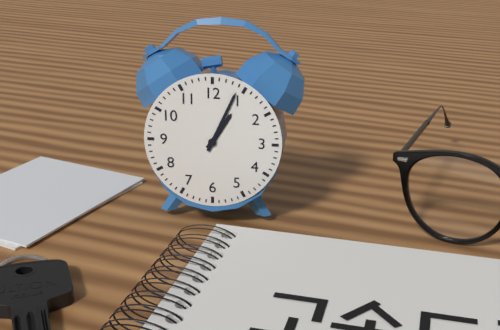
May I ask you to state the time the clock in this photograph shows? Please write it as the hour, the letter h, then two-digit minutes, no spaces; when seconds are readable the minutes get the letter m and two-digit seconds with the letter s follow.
1h04
